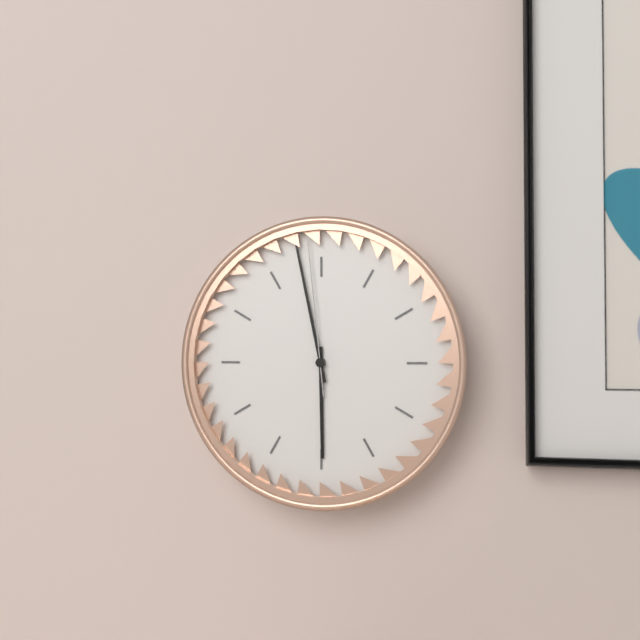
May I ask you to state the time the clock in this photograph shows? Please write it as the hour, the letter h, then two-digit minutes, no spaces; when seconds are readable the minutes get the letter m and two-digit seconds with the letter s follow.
5h58m59s
